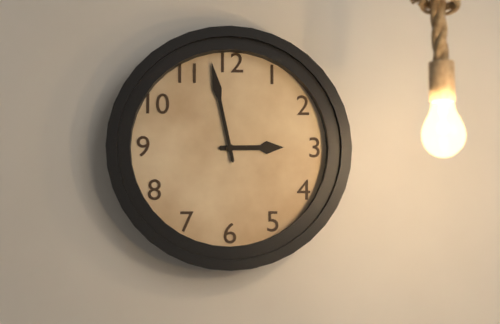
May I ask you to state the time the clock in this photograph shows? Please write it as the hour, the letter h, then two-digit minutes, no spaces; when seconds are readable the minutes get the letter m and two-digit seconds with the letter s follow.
2h58
